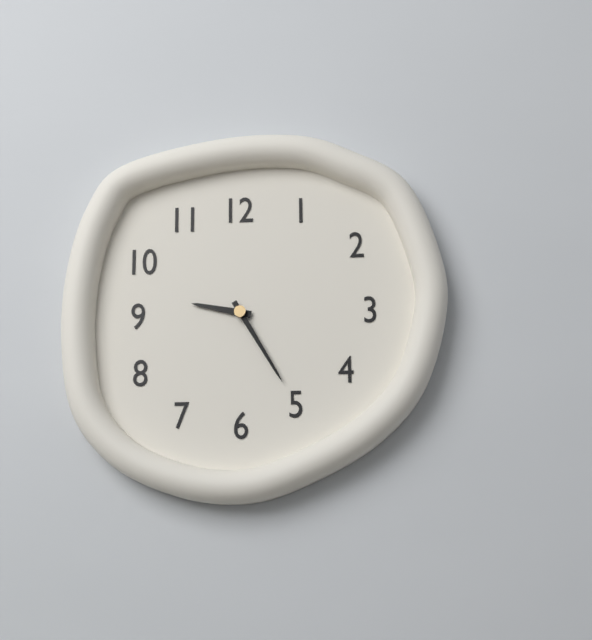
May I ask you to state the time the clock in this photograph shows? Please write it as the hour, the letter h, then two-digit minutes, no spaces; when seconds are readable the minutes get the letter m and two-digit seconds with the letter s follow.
9h25
